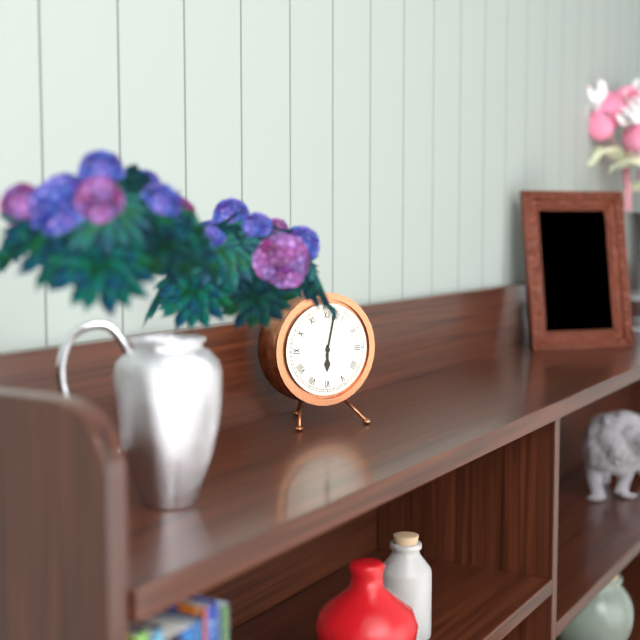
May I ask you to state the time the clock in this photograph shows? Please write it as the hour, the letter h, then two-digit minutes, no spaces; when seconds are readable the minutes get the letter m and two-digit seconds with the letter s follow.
6h02
